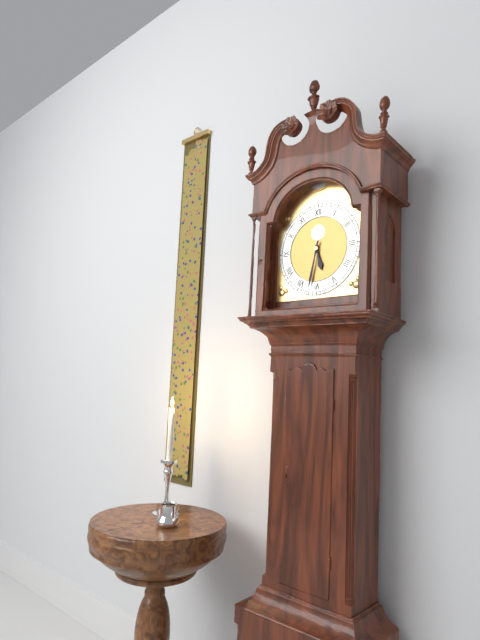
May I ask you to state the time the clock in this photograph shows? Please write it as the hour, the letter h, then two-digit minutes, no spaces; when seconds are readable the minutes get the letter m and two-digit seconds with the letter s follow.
5h32
